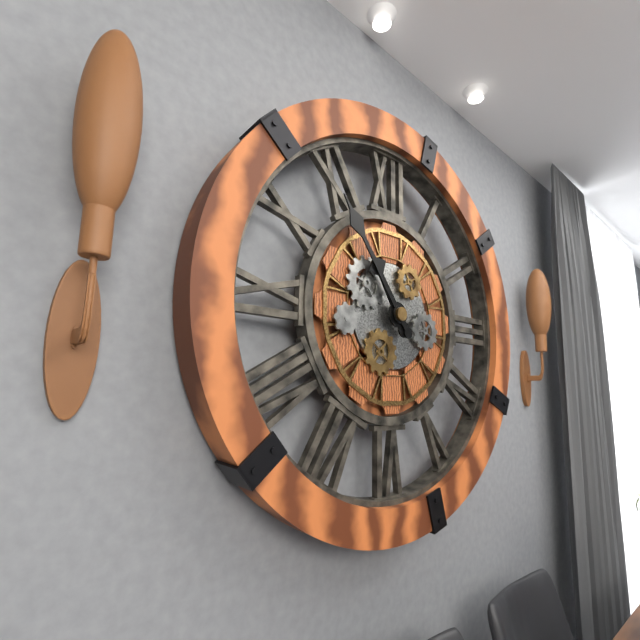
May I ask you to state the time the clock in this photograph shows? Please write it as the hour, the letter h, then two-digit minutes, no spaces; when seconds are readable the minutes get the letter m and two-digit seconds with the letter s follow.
10h54
